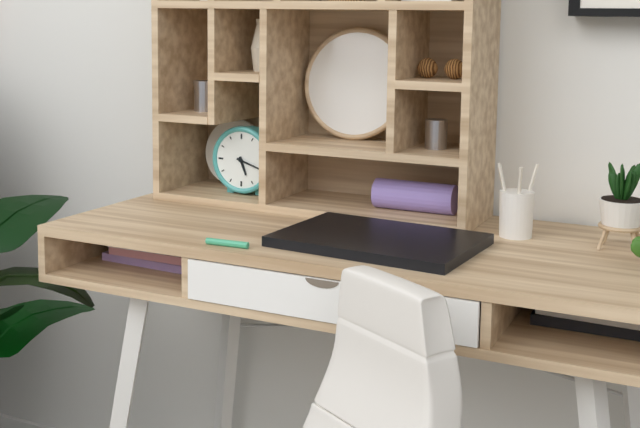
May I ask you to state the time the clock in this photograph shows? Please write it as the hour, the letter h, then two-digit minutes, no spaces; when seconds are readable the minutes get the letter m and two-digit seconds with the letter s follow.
5h18
